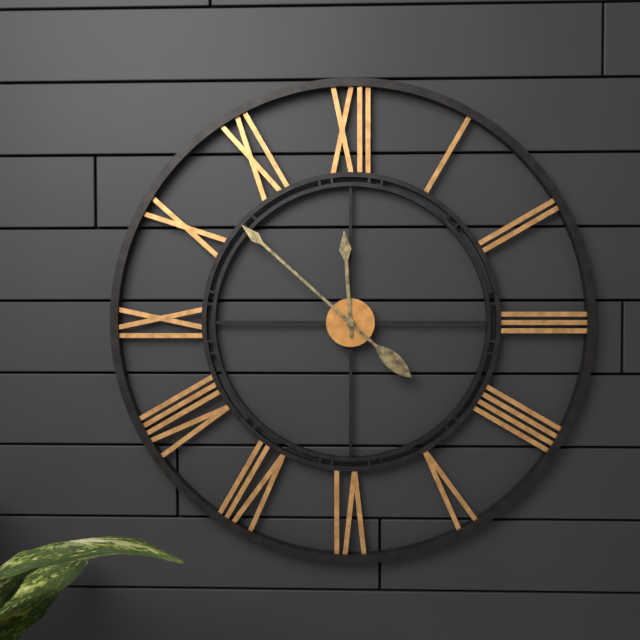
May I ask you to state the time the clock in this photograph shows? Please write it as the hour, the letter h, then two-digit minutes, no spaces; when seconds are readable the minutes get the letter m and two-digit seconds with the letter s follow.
11h52
